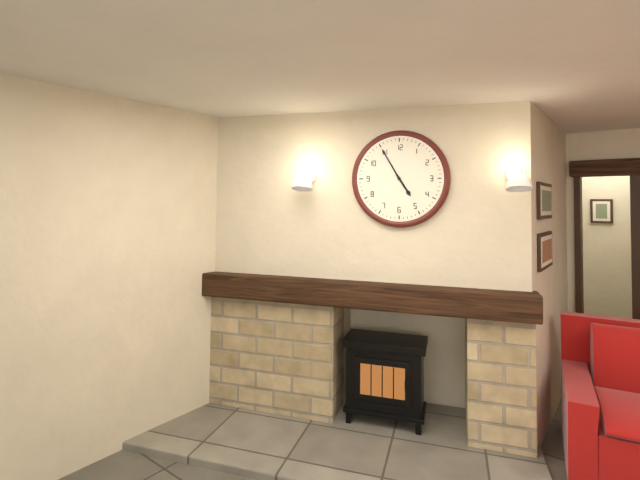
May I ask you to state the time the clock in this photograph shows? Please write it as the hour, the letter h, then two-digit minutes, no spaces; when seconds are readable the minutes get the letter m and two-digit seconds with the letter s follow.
4h55
